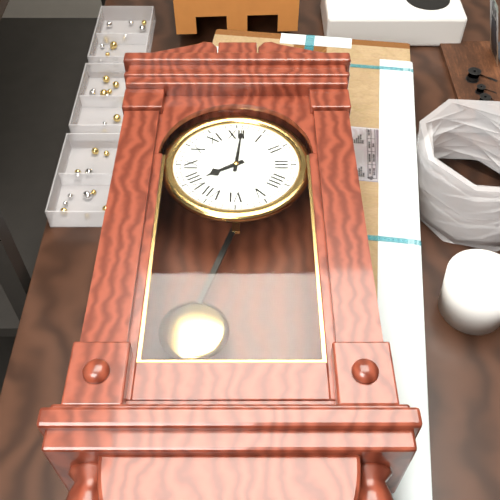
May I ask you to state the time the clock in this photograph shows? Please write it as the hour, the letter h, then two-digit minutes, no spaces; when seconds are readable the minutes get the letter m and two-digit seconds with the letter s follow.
8h01
